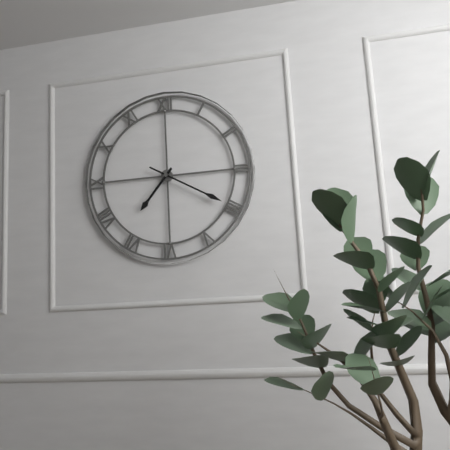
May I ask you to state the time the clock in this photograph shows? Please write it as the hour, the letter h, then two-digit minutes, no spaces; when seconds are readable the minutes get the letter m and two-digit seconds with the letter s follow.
7h20
